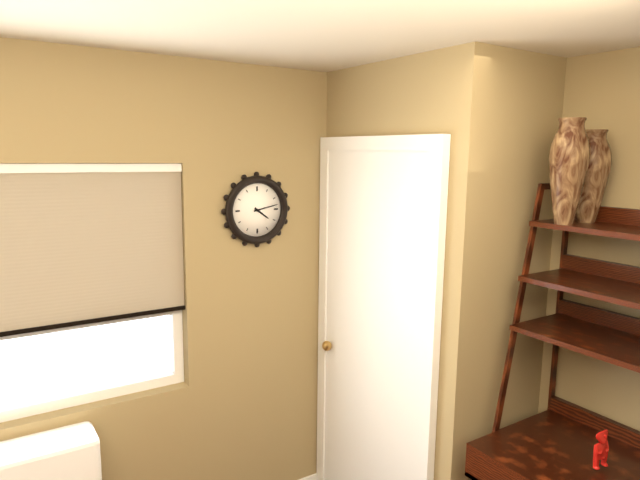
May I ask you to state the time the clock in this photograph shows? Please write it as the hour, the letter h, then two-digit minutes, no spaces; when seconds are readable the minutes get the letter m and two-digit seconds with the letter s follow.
4h13
